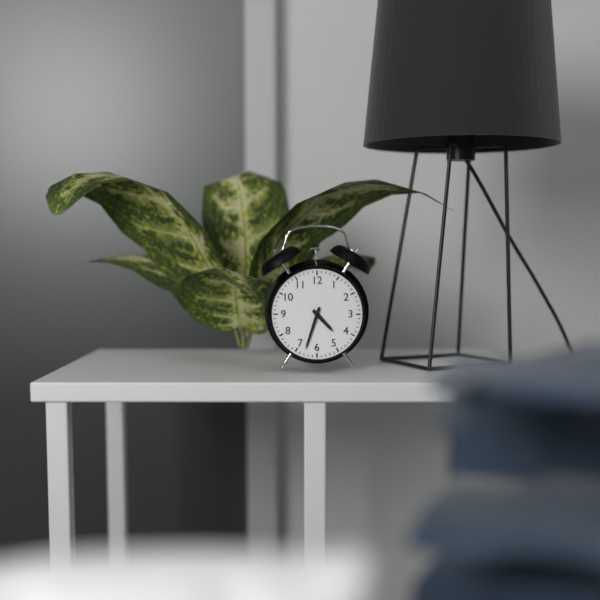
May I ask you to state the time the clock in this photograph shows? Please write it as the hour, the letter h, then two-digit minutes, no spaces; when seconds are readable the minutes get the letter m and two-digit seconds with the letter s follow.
4h33
